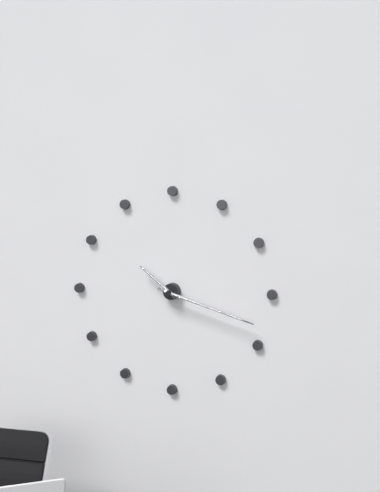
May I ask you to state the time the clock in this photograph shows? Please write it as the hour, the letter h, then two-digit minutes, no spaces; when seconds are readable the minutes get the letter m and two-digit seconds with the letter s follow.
10h18
